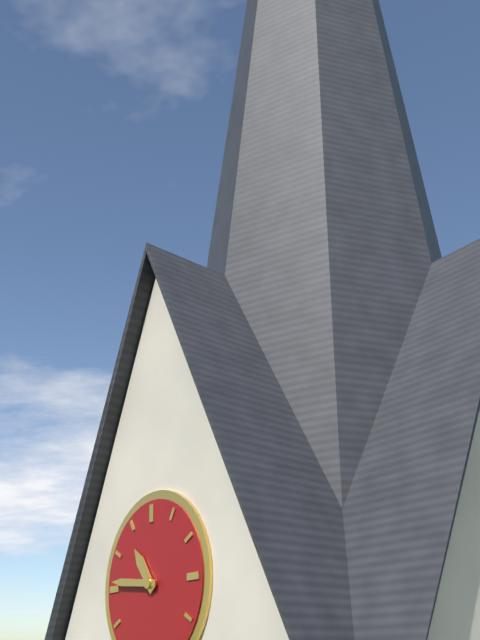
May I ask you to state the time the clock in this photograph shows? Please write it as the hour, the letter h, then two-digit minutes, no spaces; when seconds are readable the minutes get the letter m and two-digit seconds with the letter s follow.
10h46
